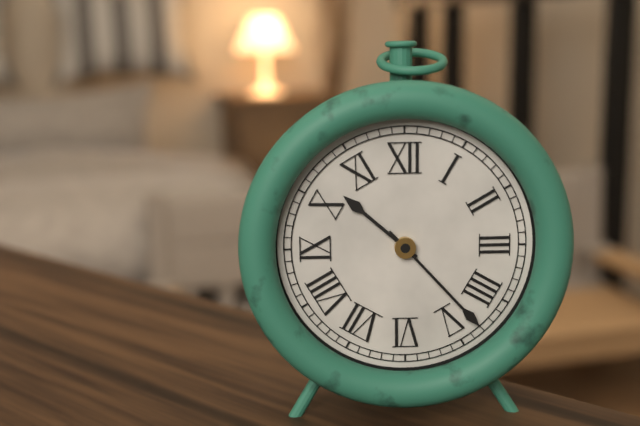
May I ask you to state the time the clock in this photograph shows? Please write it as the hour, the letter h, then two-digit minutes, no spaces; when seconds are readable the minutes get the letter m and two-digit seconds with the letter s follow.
10h23
